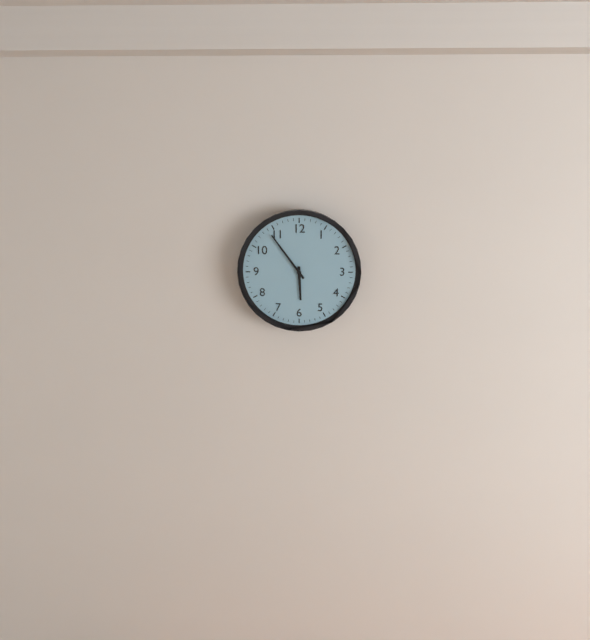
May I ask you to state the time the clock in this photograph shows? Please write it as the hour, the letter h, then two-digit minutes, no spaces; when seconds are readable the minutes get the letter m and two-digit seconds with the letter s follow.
5h54
